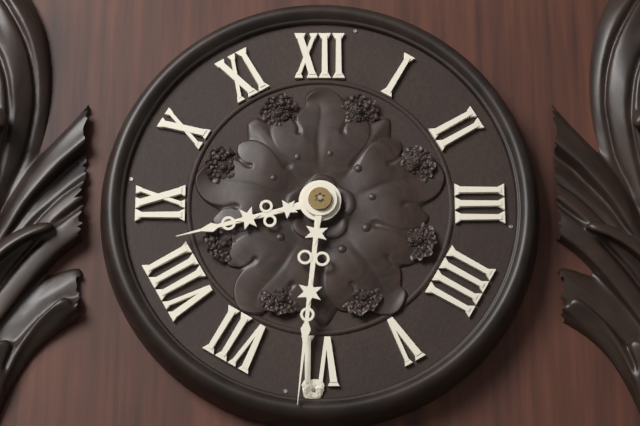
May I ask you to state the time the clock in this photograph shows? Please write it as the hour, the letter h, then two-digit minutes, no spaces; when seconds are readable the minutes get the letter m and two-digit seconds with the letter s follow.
8h31
